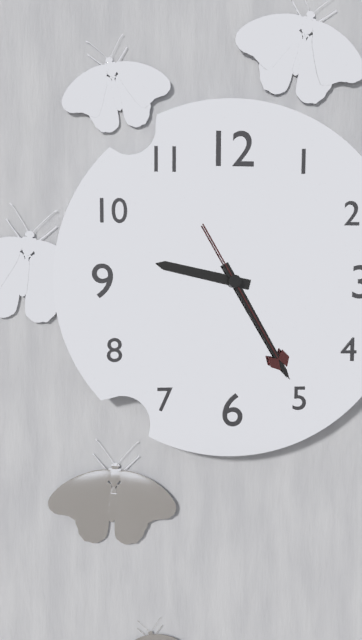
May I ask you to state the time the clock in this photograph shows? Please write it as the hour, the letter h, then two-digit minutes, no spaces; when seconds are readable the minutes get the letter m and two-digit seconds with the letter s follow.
9h25m25s
